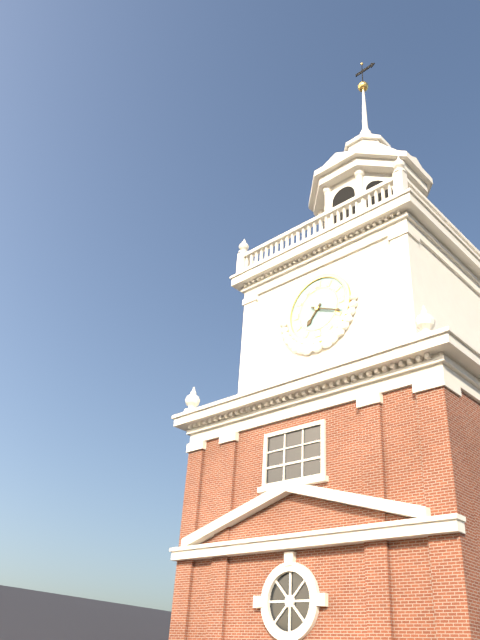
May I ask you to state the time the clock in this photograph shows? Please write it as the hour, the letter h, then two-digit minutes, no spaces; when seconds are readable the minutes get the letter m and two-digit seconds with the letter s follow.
7h19
